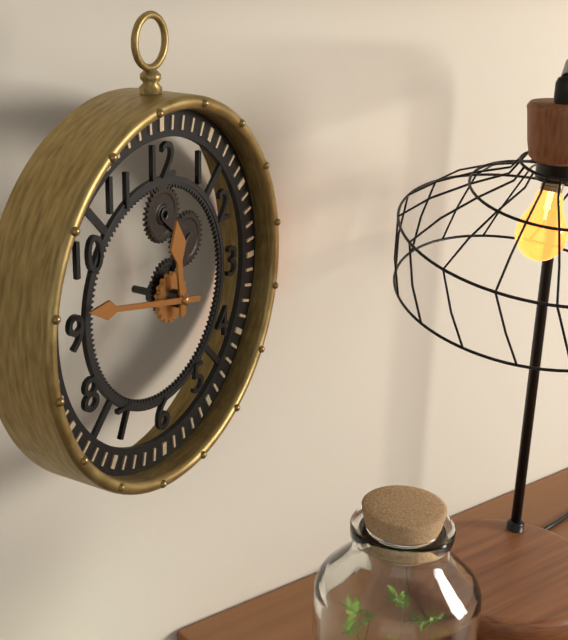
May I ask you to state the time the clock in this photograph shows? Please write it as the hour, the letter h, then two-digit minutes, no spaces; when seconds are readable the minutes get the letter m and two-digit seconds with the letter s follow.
11h47
